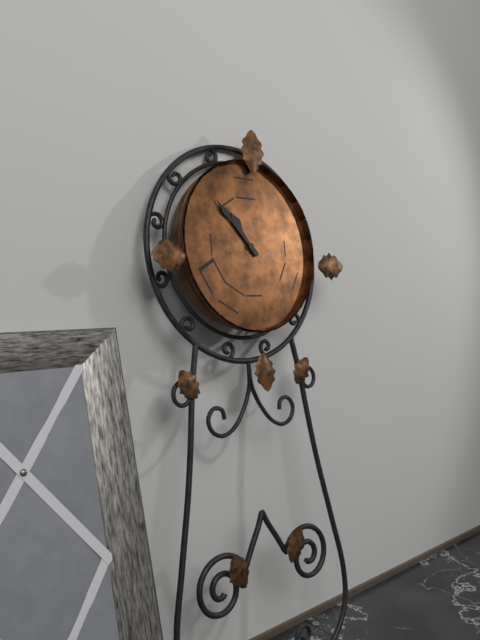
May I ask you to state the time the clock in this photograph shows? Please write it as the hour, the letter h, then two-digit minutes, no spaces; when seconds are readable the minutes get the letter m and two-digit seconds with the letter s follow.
10h53
